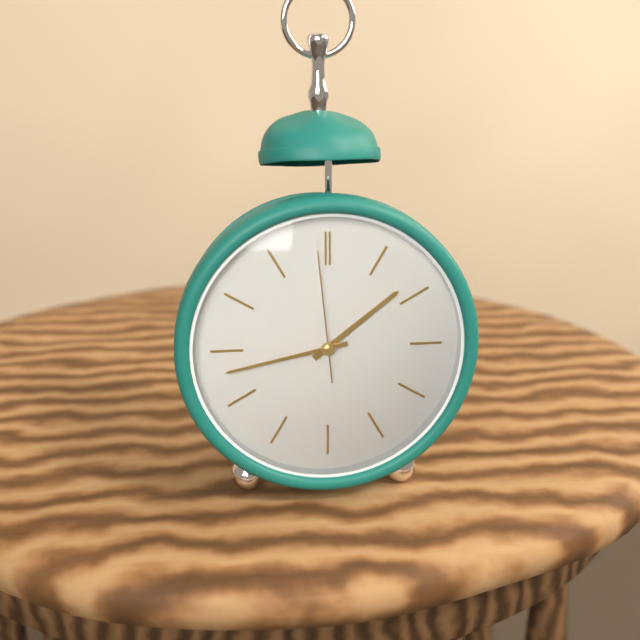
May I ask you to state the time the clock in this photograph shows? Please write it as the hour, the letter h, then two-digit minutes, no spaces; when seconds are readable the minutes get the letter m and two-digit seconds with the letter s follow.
1h43m59s
